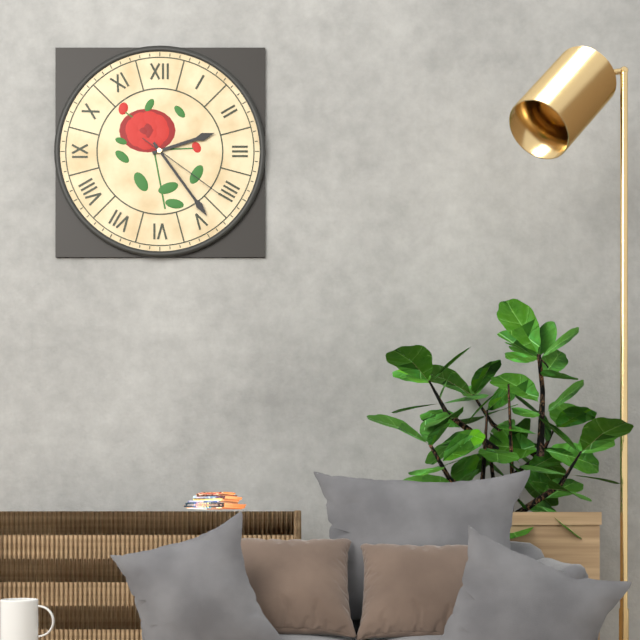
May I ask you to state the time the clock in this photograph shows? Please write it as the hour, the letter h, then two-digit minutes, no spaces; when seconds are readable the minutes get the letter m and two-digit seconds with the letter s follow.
2h24m21s
